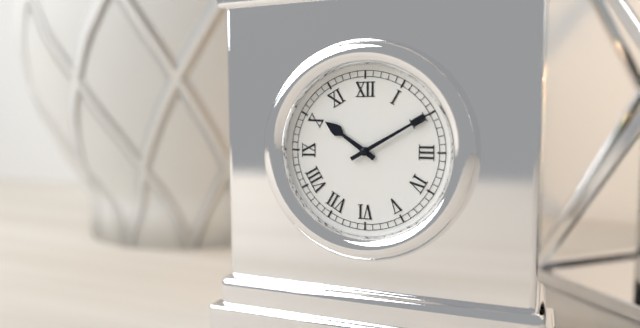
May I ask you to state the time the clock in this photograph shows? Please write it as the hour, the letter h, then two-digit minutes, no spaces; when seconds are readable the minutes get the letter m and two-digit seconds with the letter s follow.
10h10
